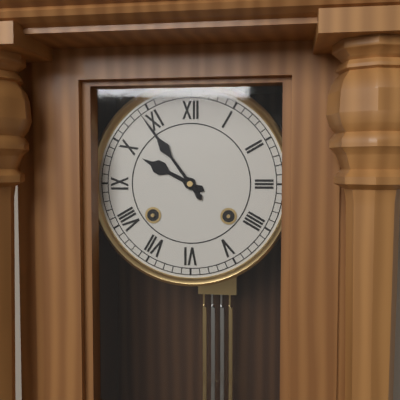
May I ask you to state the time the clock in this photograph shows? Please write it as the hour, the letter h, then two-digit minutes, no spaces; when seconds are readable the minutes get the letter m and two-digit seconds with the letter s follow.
9h54
